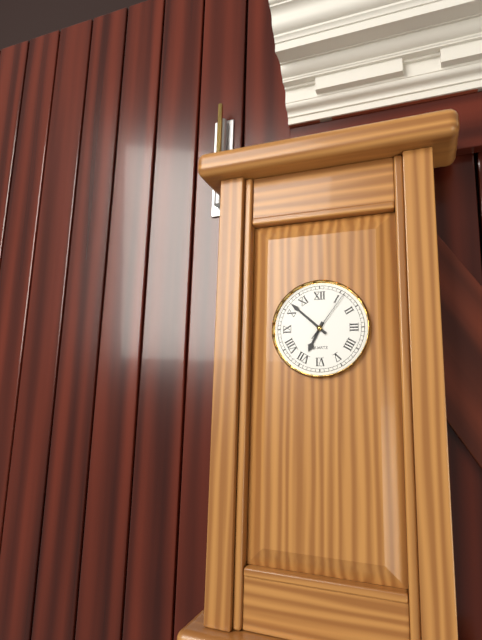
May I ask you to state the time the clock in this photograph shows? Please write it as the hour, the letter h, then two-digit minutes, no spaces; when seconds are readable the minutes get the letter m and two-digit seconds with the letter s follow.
6h52m06s
